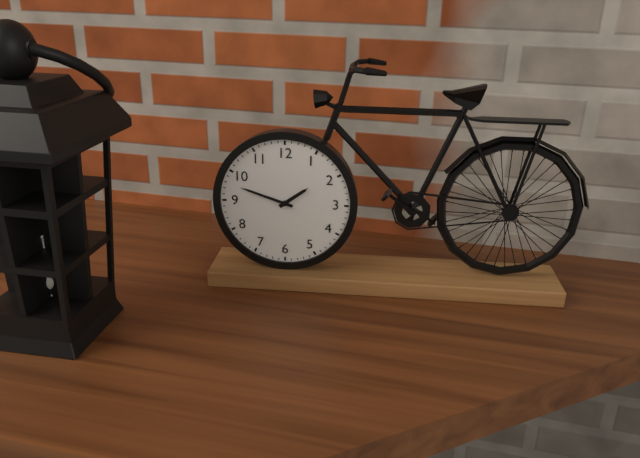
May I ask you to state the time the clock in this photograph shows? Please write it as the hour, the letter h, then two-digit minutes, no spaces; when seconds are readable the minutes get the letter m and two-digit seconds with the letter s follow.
1h48
